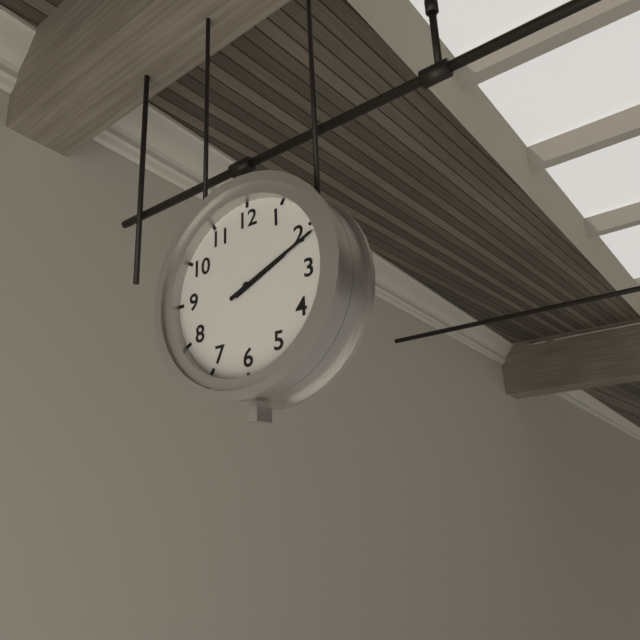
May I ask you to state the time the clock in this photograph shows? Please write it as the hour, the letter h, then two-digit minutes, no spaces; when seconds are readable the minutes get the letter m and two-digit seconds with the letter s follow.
2h11
